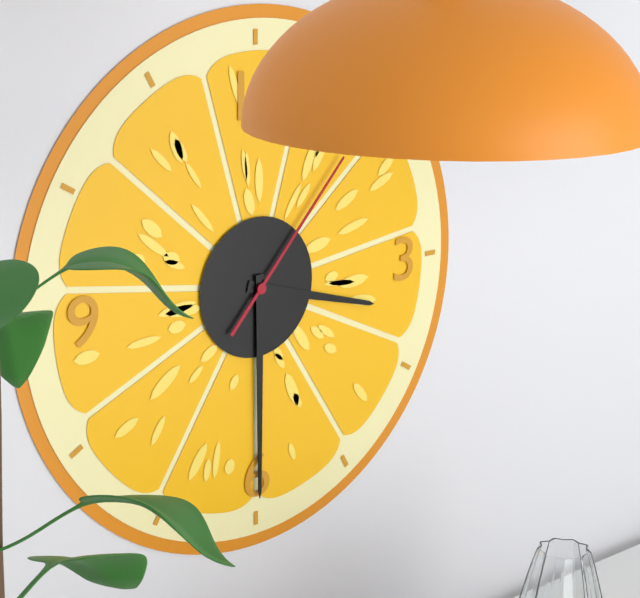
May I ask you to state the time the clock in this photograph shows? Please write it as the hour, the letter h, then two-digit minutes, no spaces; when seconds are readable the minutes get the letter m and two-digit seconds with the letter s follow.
3h30m07s
